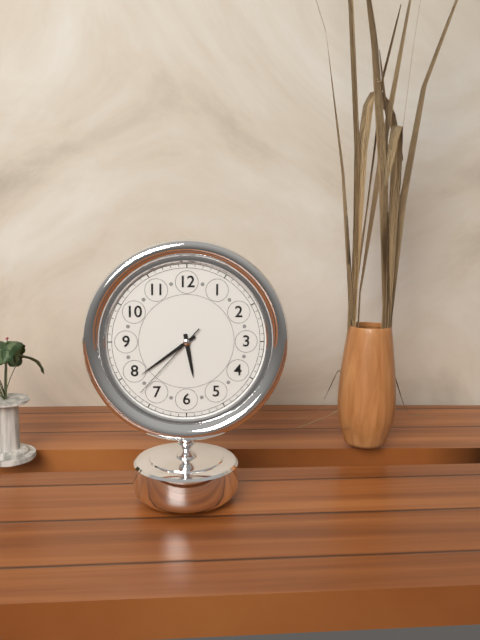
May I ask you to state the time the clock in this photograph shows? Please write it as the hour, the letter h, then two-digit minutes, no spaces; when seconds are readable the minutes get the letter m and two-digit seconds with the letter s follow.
5h39m37s
